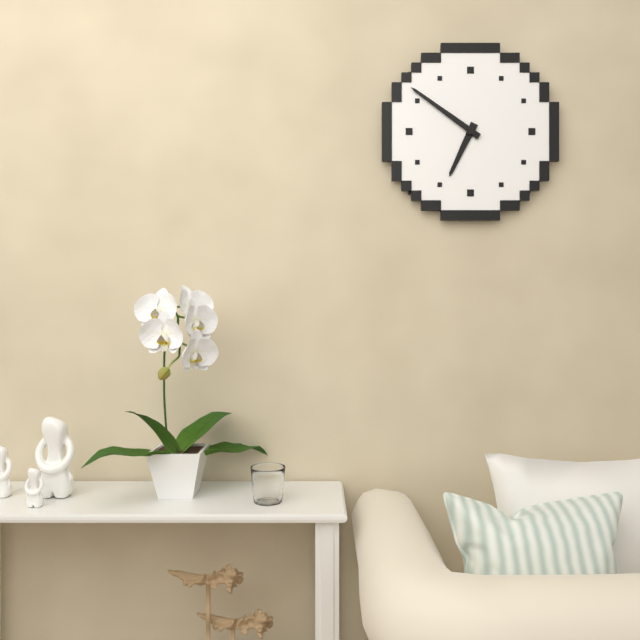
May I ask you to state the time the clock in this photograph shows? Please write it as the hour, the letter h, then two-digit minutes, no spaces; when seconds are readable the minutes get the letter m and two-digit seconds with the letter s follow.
6h51
